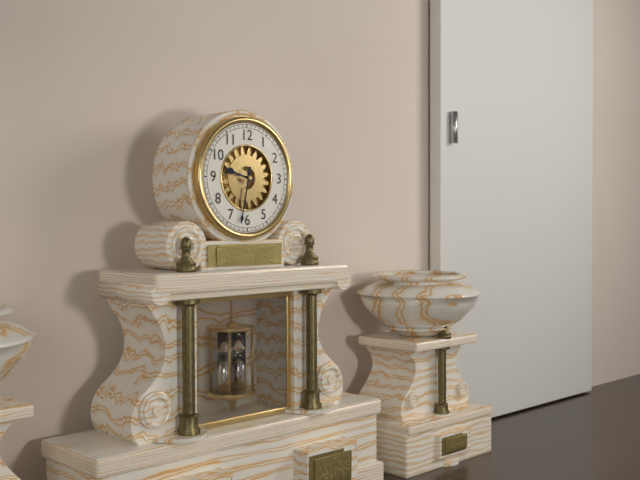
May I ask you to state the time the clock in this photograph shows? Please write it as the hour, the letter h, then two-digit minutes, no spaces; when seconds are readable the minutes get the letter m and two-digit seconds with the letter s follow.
9h32
